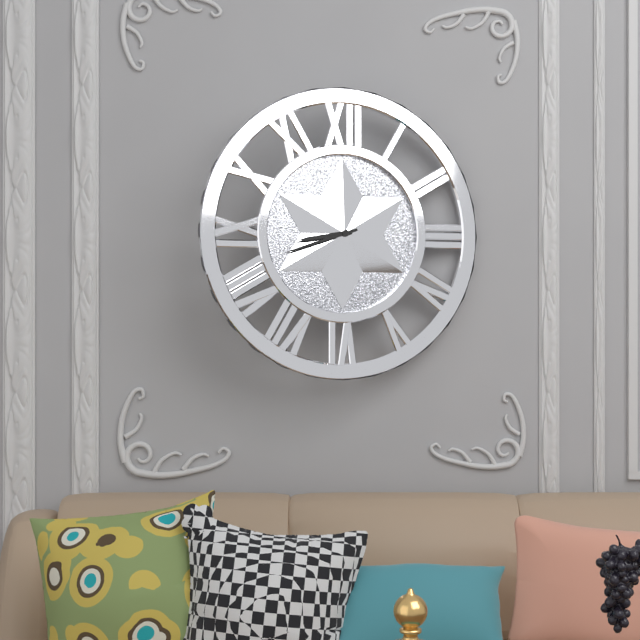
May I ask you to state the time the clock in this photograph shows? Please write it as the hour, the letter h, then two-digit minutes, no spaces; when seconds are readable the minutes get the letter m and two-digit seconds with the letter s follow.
8h42
